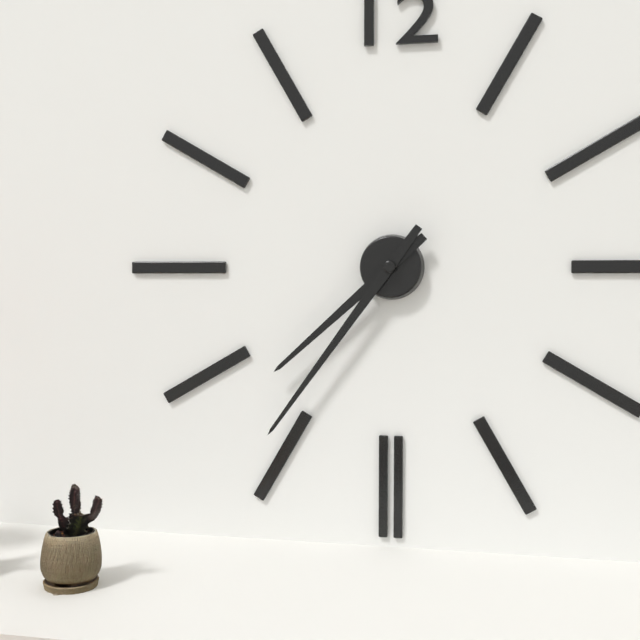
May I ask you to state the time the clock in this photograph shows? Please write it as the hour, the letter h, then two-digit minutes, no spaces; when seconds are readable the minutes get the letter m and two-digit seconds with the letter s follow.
7h36
